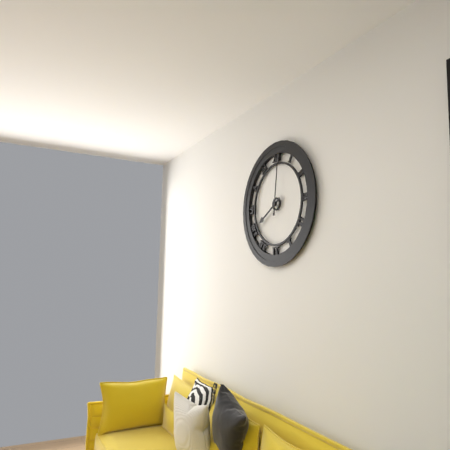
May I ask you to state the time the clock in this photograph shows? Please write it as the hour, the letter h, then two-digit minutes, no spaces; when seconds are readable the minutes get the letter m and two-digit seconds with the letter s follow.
8h01
